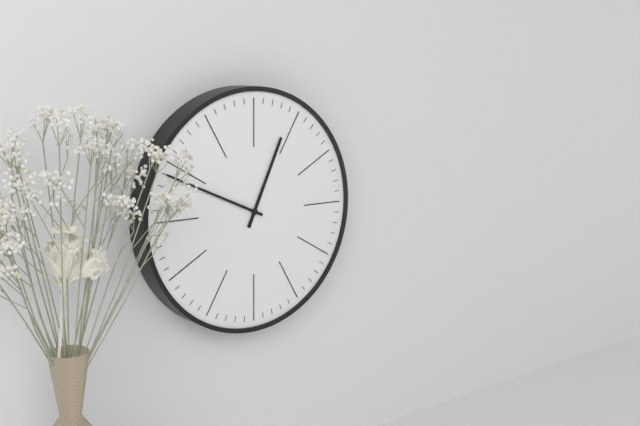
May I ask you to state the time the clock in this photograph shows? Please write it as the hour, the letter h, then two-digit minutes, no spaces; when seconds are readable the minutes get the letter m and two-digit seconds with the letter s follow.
12h49
